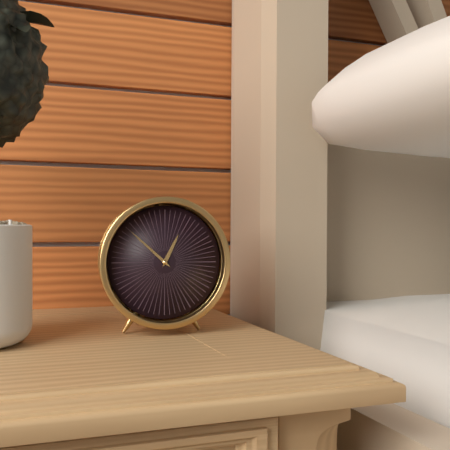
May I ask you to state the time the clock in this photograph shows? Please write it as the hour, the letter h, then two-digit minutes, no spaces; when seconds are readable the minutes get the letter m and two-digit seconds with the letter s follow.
12h52
